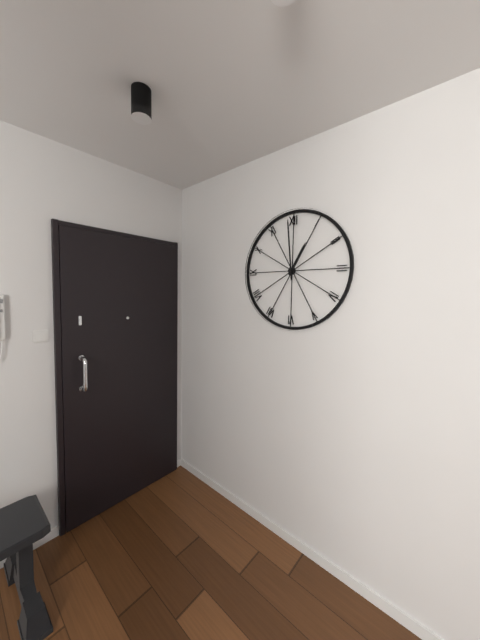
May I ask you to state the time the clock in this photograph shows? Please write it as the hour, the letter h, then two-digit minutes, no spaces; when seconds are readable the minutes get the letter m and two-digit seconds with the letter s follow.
12h59
